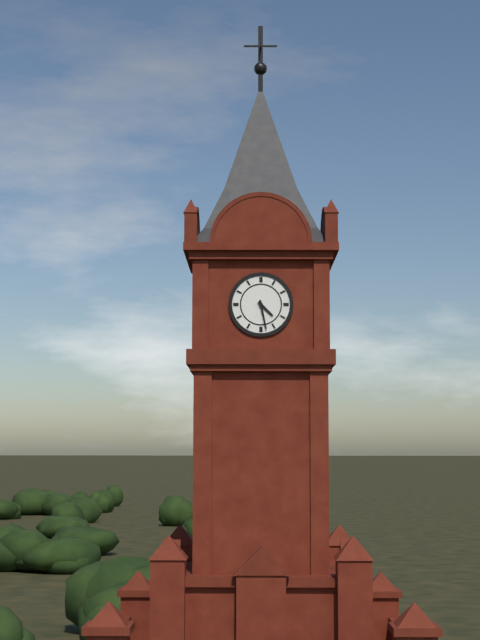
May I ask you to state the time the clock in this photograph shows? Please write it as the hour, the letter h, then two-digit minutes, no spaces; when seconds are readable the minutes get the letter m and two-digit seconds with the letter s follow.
4h28
